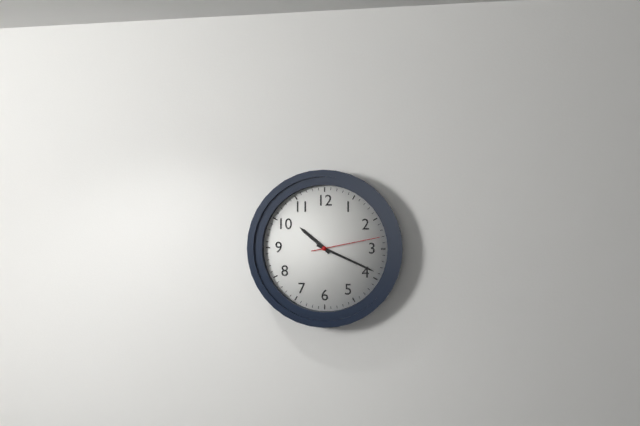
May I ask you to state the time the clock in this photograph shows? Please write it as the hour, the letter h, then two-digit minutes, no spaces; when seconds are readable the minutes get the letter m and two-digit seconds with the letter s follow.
10h19m13s
